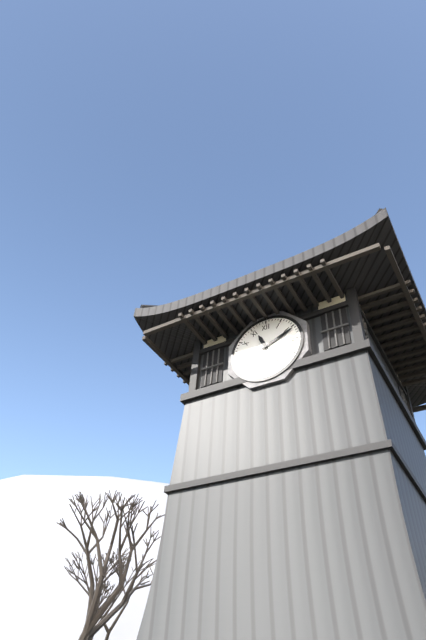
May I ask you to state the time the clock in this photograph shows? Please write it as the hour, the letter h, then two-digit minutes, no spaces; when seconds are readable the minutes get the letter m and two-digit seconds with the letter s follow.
11h11
